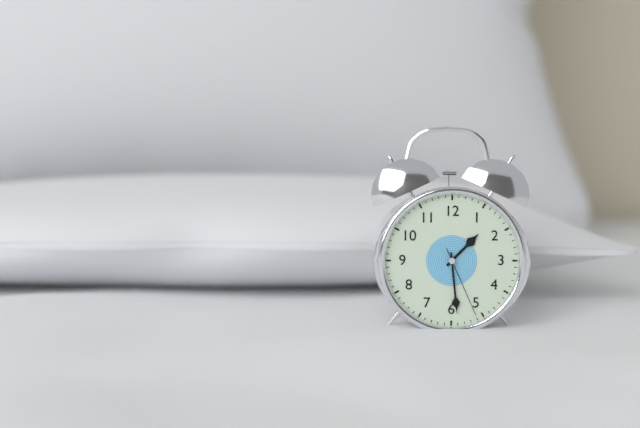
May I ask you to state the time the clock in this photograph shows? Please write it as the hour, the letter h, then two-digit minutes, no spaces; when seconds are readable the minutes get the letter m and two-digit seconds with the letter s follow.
1h29m26s
